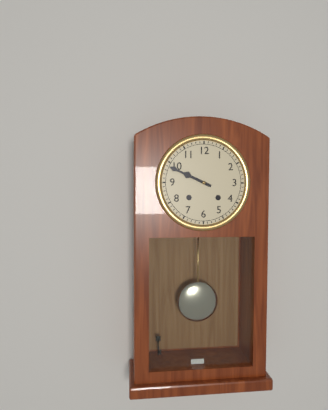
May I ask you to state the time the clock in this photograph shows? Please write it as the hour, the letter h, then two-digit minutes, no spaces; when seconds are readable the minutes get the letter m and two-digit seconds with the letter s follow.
9h49
